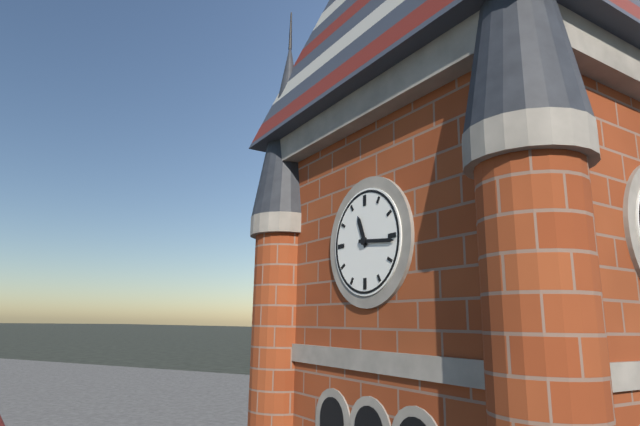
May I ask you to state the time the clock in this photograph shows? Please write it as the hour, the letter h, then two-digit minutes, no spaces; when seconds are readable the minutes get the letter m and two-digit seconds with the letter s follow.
11h16
